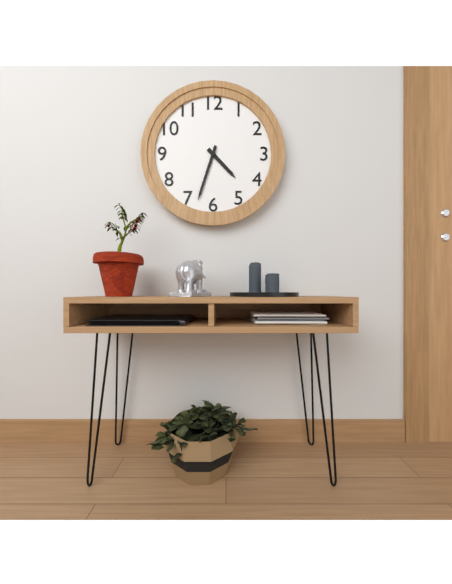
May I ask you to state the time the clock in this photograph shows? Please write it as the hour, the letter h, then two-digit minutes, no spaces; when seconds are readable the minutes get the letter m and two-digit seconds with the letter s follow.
4h33
